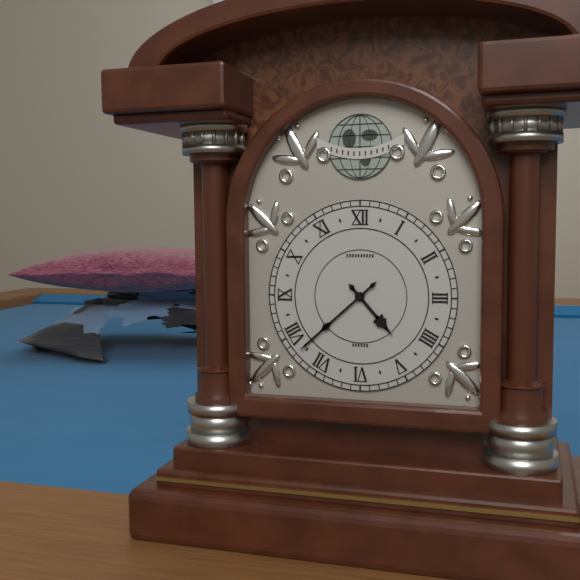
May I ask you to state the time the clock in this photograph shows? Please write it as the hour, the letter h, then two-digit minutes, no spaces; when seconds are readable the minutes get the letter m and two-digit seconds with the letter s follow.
4h38
